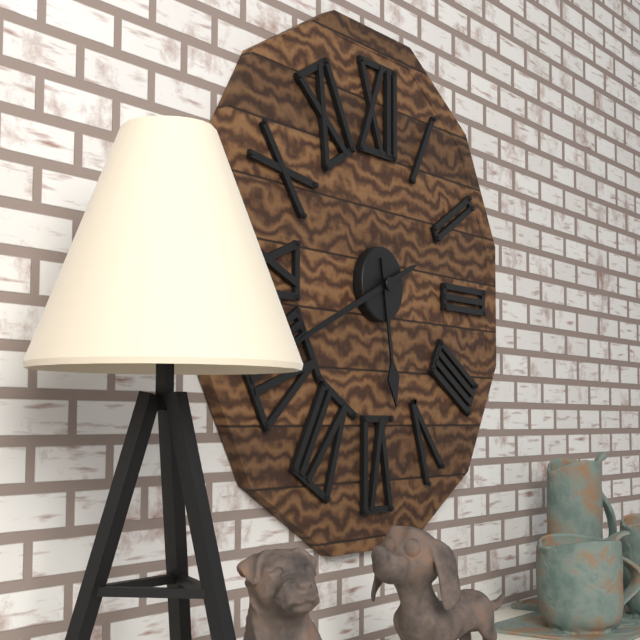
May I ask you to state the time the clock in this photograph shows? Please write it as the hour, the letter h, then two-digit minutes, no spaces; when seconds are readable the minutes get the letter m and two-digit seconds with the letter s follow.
5h41
